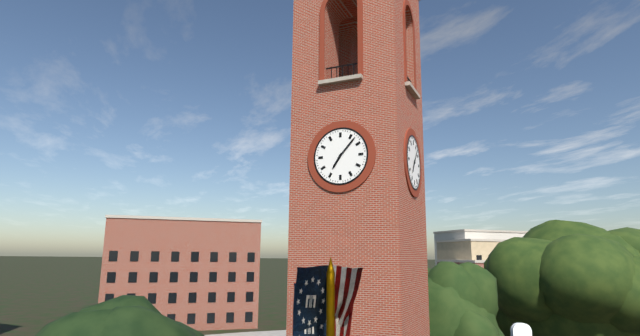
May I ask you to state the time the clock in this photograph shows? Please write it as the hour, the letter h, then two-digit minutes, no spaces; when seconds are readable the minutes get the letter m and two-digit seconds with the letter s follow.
7h07
